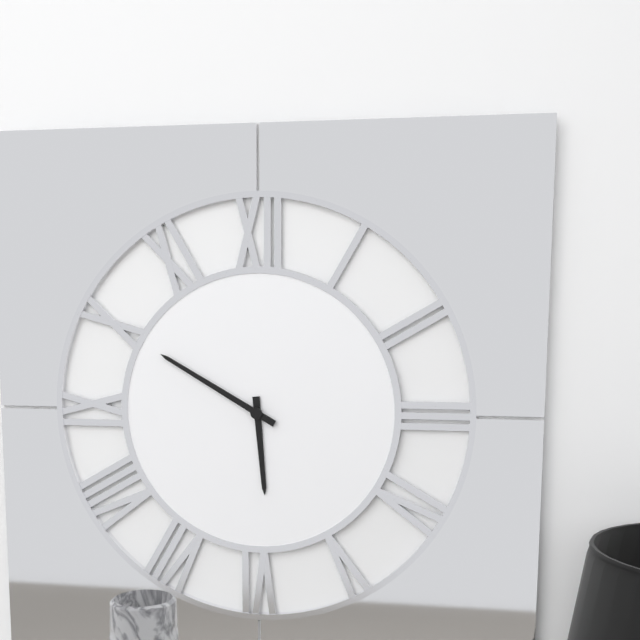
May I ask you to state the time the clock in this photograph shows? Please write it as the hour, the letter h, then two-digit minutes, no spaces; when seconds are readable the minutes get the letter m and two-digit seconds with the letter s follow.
5h50
